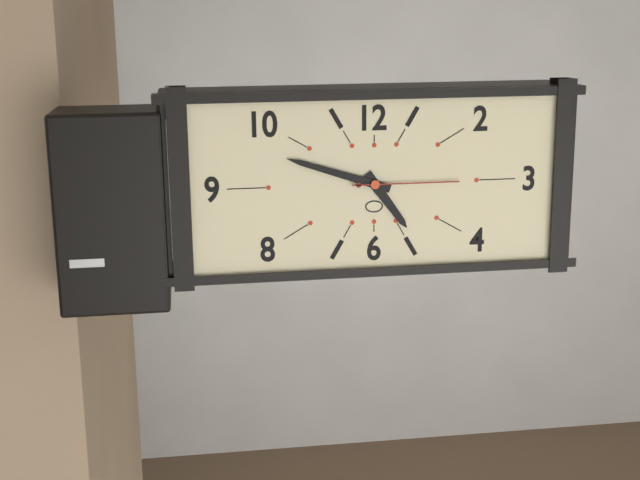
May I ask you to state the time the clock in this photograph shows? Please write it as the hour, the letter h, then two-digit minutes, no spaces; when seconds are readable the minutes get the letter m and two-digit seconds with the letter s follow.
4h48m15s
